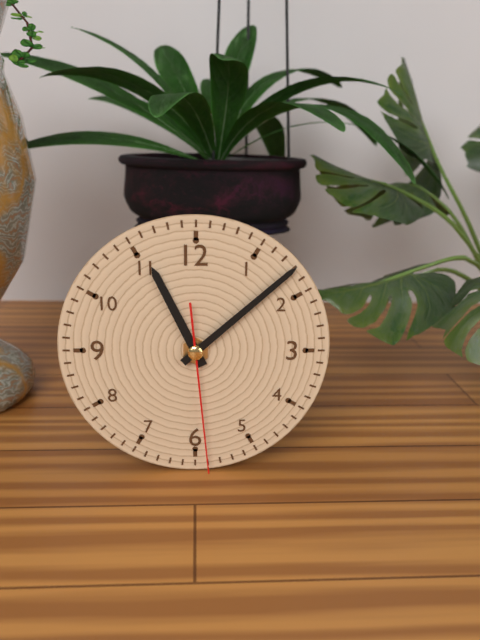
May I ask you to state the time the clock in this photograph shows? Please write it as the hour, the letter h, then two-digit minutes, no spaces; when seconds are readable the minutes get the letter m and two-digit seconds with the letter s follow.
11h08m29s
